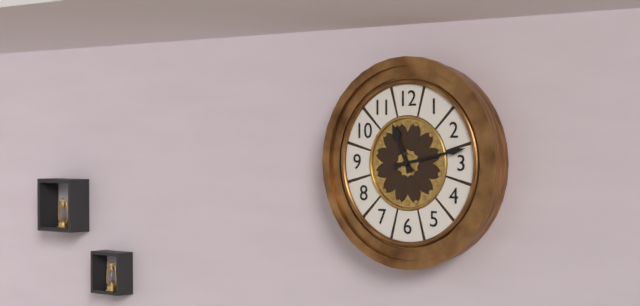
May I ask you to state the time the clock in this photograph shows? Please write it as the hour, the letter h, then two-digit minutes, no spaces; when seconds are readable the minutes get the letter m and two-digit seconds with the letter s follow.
11h13
